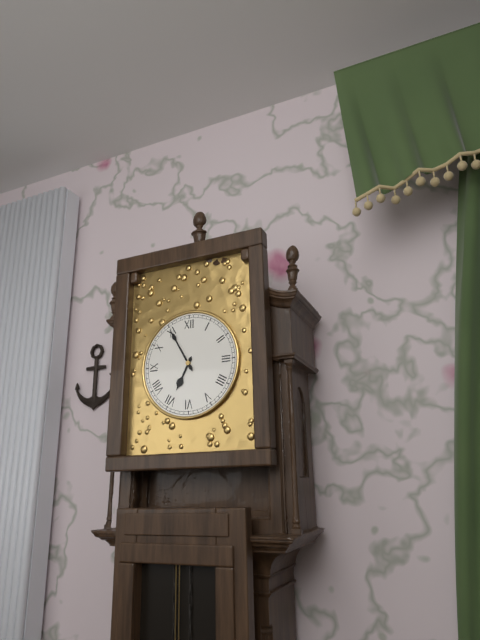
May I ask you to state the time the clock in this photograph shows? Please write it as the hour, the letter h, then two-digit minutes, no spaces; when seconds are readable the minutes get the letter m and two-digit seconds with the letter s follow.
6h55
